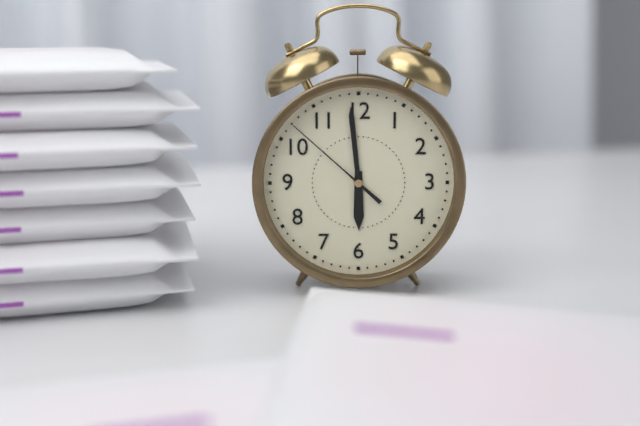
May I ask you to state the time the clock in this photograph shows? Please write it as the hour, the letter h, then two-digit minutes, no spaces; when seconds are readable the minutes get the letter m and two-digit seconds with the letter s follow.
5h59m52s
